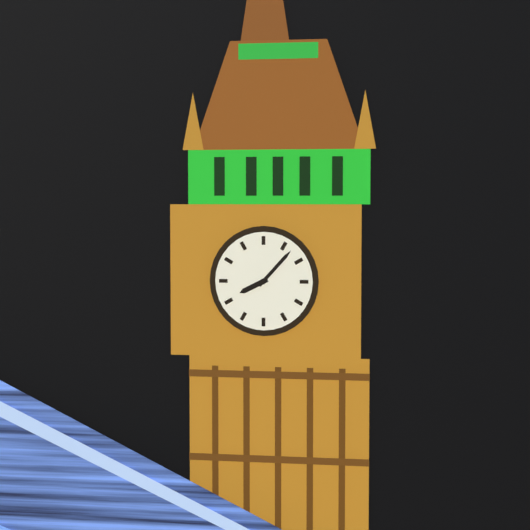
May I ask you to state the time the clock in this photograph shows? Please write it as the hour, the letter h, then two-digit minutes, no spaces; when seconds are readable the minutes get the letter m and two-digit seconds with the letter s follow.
8h07
